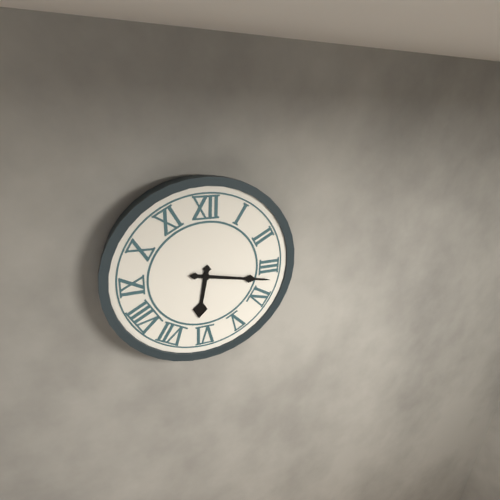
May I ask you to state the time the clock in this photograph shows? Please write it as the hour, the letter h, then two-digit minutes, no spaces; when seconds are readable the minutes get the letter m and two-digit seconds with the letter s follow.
6h17
